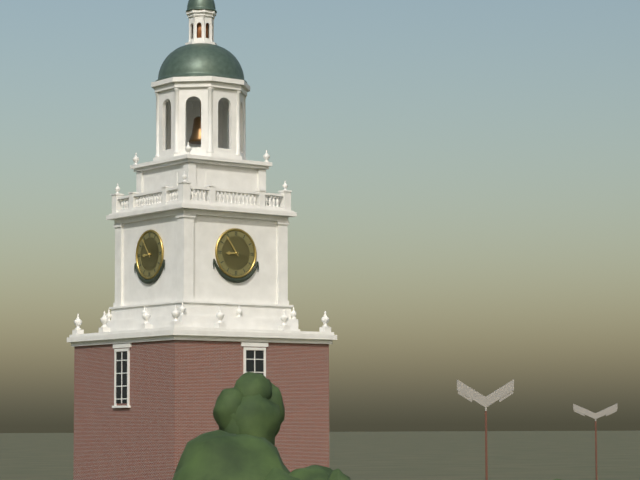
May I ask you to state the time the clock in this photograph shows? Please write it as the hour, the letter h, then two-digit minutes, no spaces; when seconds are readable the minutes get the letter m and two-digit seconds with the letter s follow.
8h54
